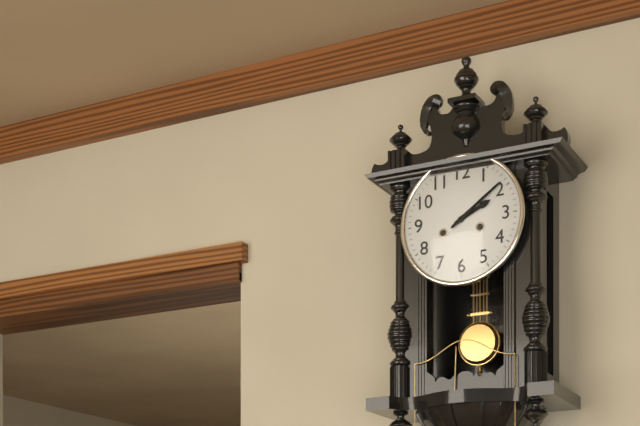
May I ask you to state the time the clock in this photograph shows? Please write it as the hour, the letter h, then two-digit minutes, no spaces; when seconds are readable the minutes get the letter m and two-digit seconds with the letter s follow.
2h09
